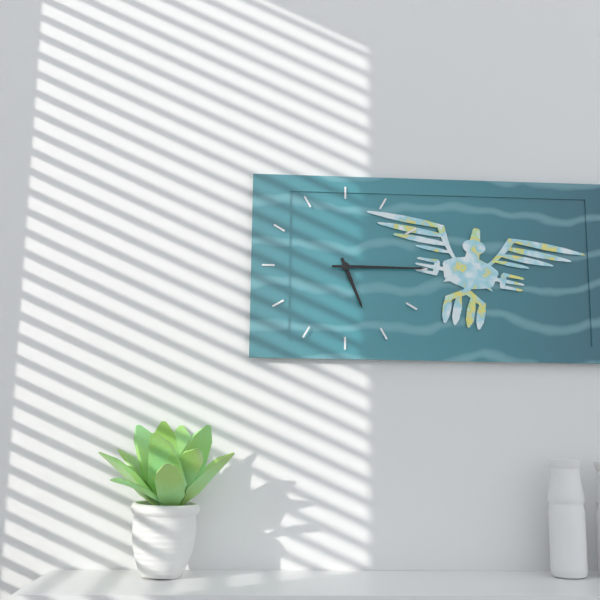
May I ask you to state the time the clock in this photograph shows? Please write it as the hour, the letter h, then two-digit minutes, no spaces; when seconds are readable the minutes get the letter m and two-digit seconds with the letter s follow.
5h15
